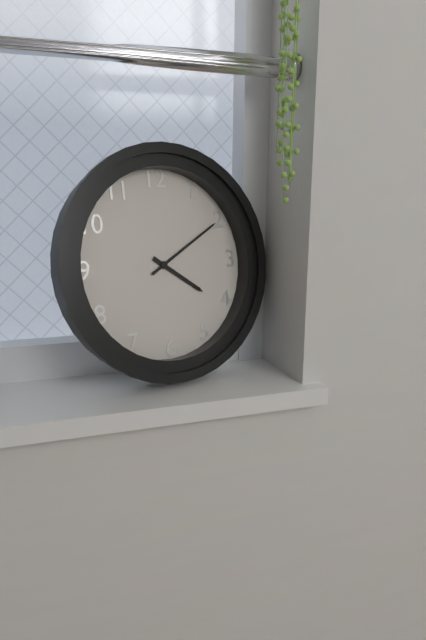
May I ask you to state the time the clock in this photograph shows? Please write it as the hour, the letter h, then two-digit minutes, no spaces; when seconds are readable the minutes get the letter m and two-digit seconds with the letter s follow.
4h10
